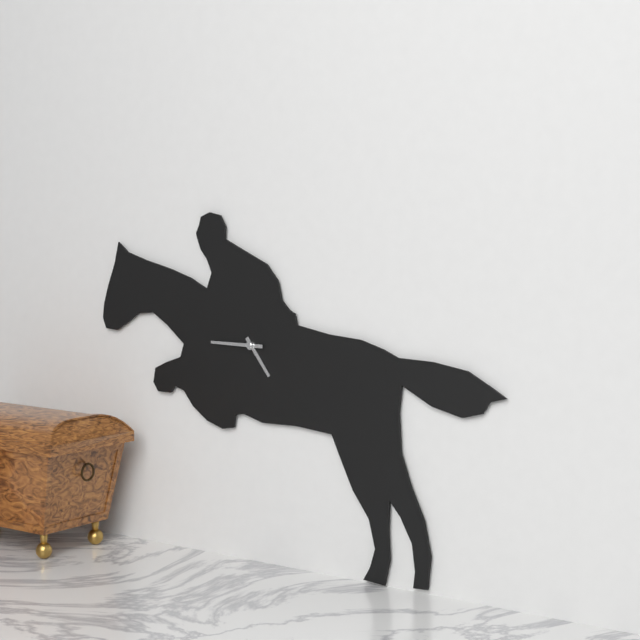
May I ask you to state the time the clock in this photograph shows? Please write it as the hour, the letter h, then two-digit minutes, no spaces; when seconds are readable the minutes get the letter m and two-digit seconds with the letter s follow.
4h45
